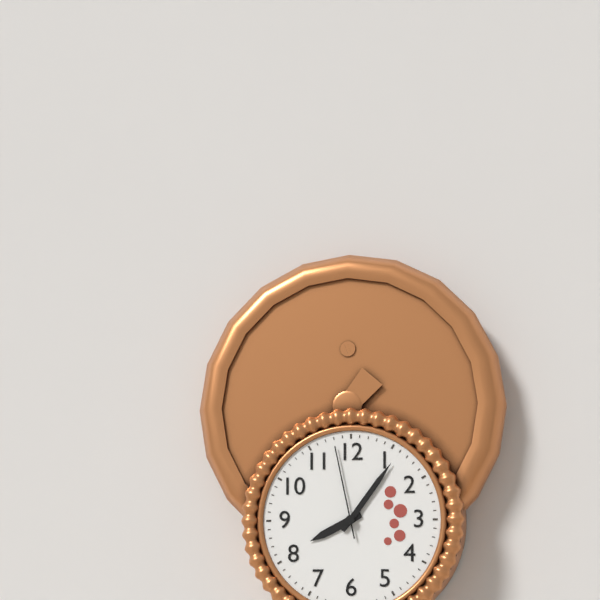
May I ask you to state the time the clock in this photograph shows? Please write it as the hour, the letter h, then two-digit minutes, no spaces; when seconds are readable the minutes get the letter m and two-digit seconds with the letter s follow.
8h06m58s
